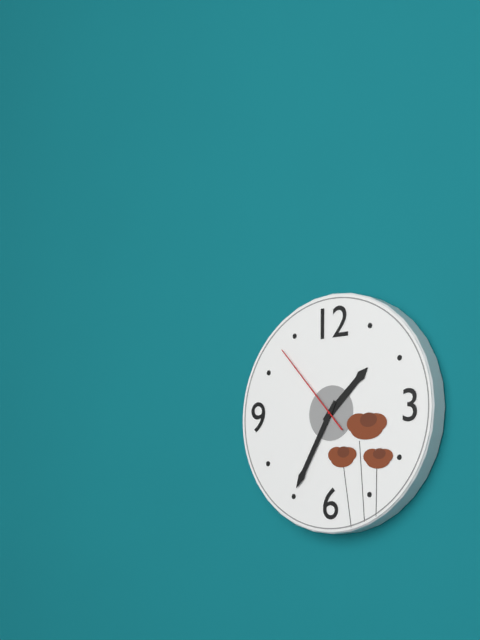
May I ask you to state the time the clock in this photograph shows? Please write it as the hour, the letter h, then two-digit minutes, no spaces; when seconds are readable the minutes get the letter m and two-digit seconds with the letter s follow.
1h35m53s
